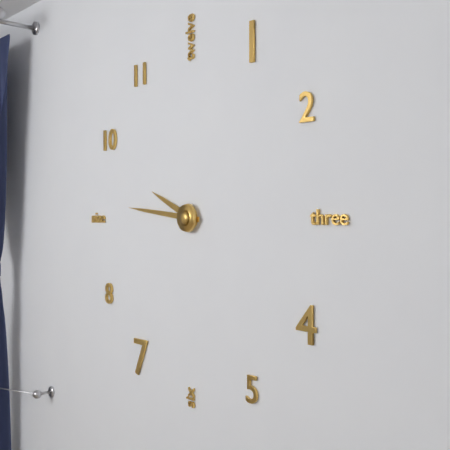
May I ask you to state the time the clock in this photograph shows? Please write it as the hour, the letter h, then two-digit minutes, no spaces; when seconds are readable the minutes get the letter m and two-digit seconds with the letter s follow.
9h46
